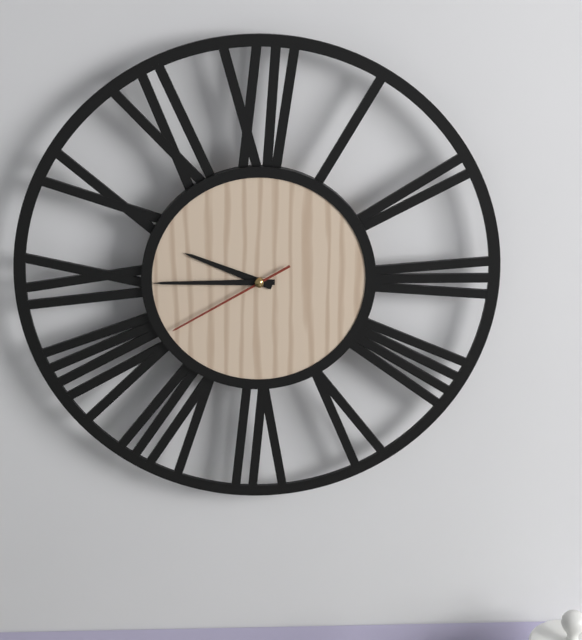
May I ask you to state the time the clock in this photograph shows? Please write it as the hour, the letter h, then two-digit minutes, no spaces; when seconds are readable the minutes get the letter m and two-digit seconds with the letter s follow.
9h45m40s
